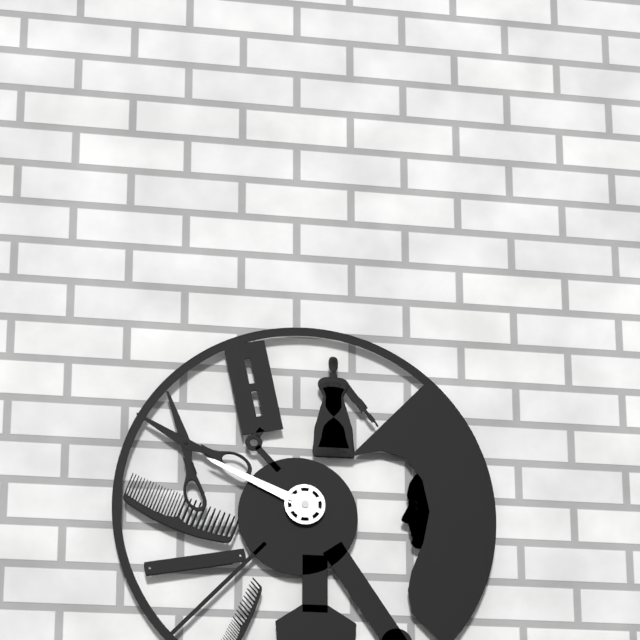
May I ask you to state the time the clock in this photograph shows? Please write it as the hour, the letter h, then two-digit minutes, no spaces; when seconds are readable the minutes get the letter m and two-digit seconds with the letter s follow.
9h49
